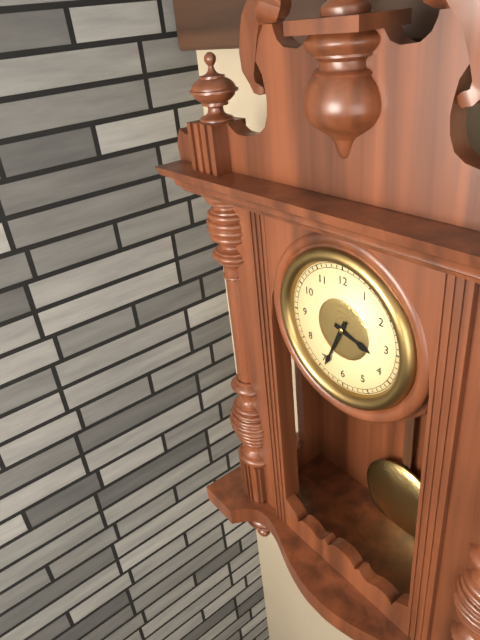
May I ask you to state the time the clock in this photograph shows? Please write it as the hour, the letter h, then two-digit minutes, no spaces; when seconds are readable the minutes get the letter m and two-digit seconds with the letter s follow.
3h34
